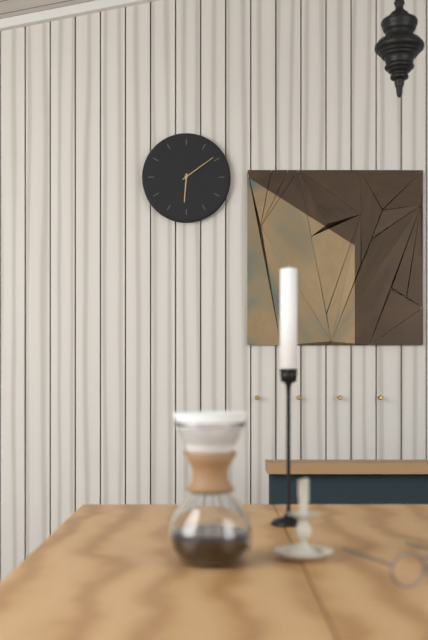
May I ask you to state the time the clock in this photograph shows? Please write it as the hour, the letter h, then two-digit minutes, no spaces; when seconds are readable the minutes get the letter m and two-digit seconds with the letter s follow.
6h09
